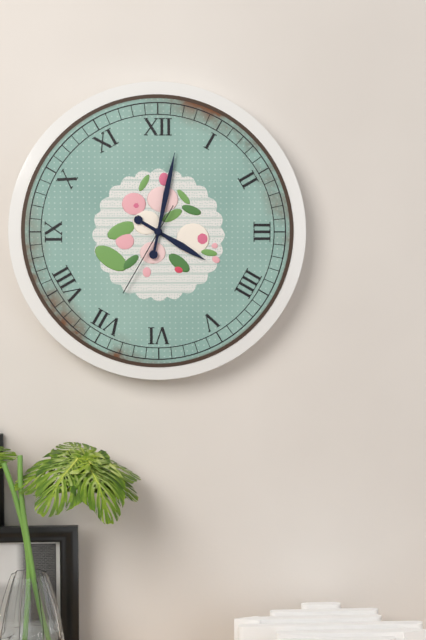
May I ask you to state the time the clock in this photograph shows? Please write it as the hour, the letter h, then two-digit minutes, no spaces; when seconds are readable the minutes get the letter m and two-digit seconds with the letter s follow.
4h02m35s
